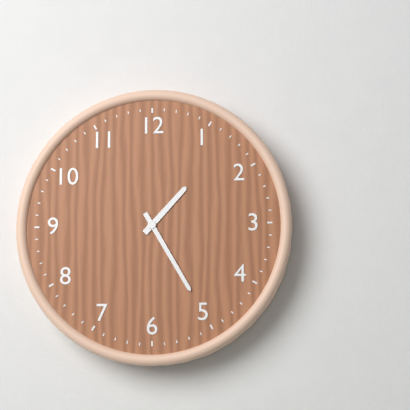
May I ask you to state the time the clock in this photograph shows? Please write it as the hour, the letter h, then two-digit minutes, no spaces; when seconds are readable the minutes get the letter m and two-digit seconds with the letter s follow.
1h25
